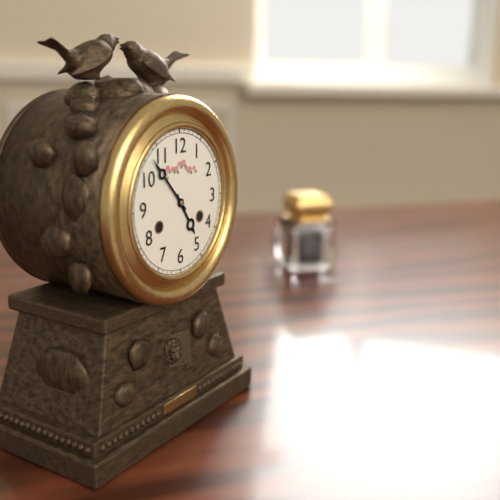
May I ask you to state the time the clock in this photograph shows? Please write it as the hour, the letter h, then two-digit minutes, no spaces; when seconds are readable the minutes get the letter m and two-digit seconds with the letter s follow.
4h53
